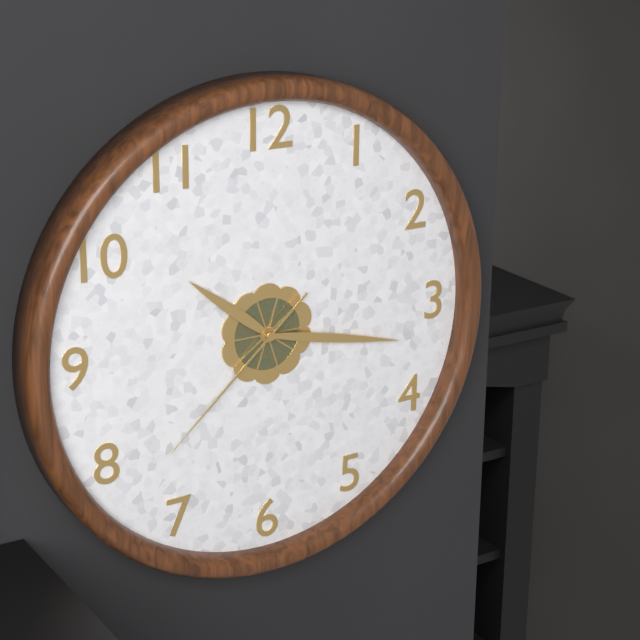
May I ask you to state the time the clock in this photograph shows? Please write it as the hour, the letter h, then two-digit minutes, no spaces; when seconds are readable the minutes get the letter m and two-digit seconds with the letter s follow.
10h17m38s
